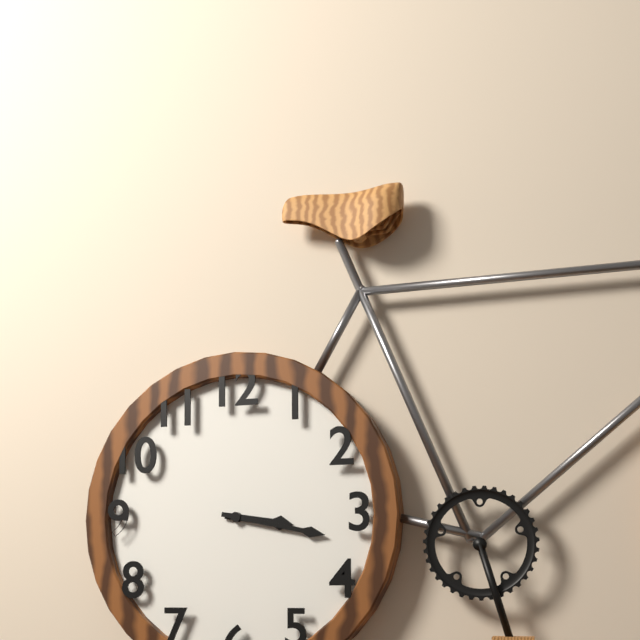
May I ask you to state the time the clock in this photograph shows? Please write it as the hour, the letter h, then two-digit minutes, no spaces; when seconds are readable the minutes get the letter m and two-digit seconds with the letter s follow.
3h17
